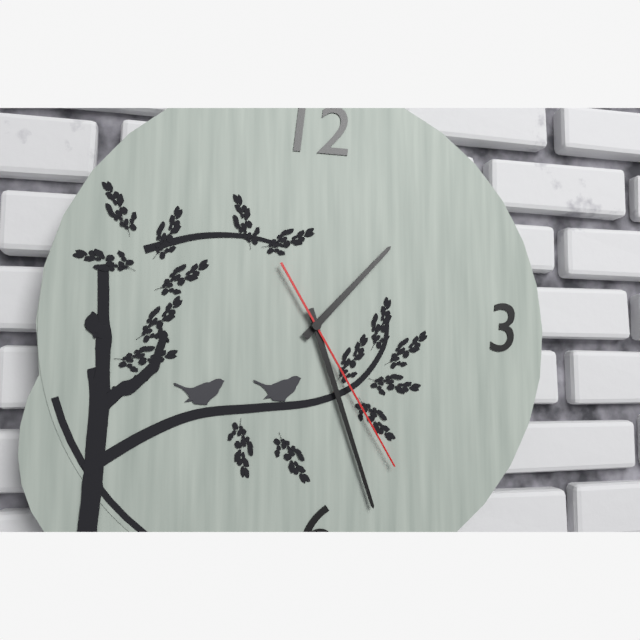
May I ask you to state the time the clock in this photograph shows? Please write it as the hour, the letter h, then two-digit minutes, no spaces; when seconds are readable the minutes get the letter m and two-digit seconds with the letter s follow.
1h27m25s
